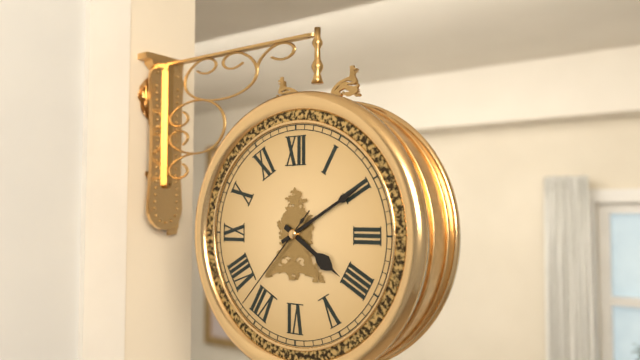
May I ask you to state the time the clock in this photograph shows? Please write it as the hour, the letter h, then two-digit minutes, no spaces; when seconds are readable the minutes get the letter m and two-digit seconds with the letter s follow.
4h10m37s
